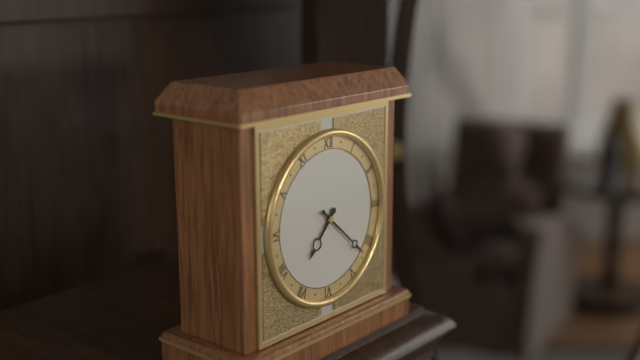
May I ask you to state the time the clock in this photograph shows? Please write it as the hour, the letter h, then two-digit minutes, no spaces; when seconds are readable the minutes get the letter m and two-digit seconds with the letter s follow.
7h22
